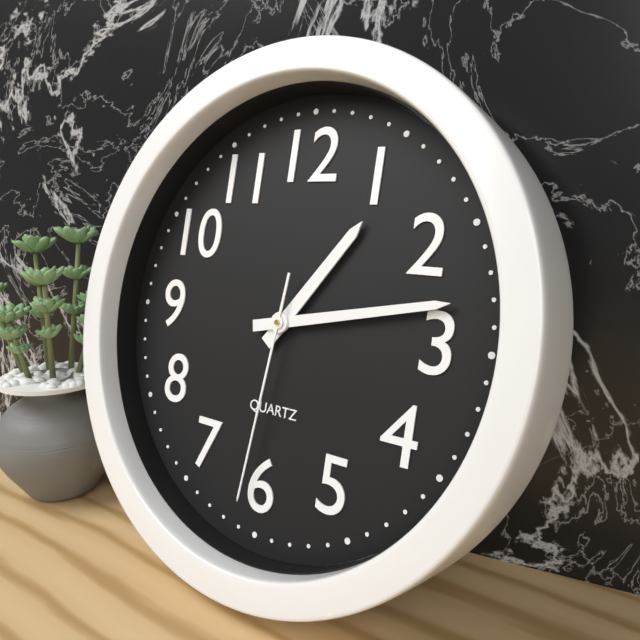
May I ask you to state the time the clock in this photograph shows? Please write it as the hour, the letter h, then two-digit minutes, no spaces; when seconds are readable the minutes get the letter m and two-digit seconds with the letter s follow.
1h13m31s
